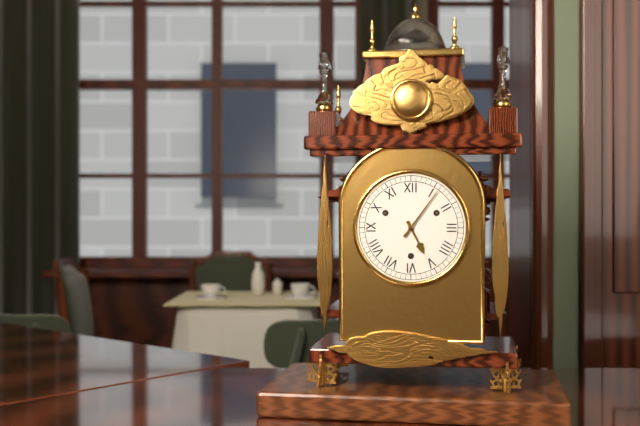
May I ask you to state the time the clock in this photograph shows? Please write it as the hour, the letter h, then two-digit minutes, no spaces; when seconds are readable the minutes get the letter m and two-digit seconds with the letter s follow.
5h06
